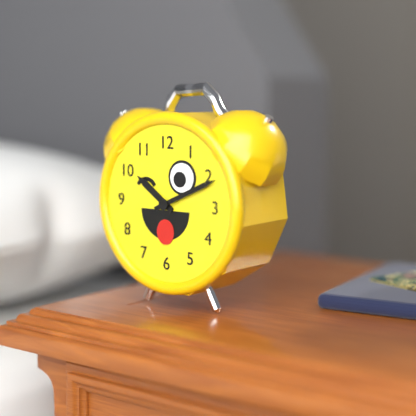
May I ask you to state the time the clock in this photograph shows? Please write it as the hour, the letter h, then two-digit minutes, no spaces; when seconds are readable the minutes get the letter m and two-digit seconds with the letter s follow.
10h11
